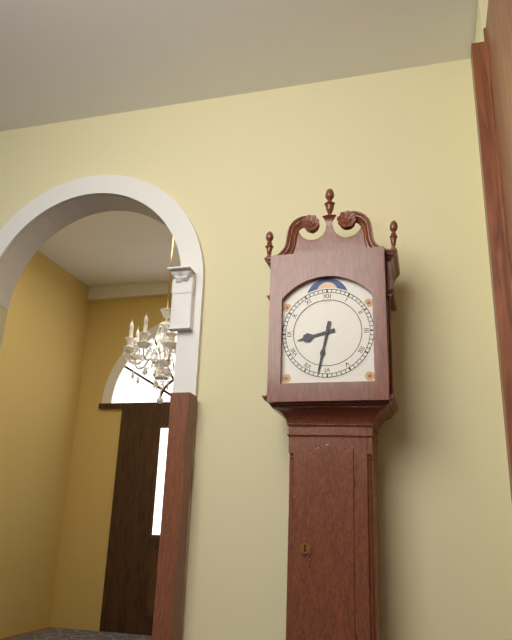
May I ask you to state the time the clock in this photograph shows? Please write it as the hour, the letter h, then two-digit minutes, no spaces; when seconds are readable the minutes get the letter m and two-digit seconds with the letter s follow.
8h32
